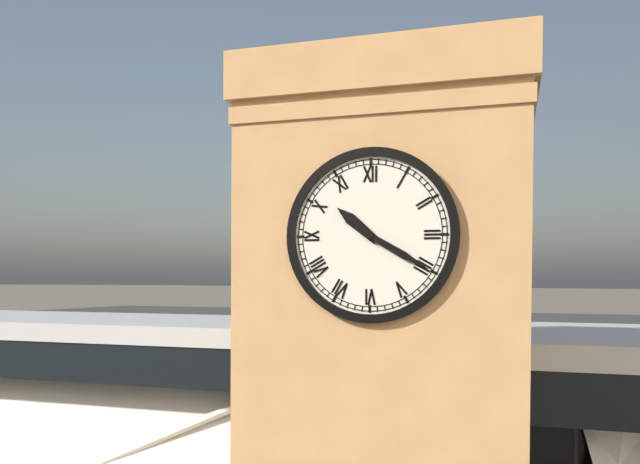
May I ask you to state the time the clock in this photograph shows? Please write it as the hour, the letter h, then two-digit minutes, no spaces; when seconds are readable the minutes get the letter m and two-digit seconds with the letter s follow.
10h20
